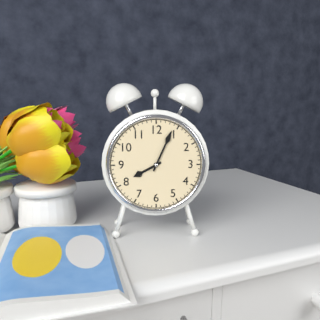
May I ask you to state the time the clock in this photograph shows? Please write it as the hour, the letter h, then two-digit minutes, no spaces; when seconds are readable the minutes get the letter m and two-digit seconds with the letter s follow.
8h04
